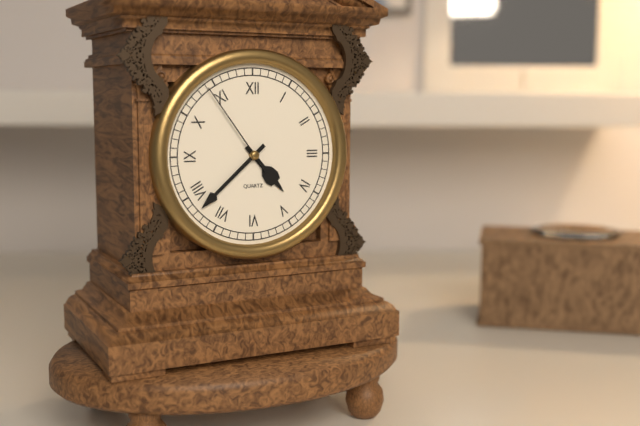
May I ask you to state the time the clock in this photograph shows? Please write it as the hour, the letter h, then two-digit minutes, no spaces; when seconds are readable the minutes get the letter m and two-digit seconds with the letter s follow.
4h38m54s
